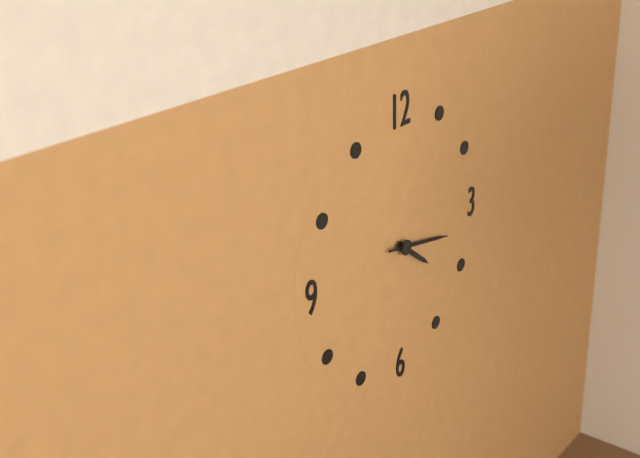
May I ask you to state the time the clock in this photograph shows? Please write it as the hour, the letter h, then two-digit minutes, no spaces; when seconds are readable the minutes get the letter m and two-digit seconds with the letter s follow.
4h17m17s
